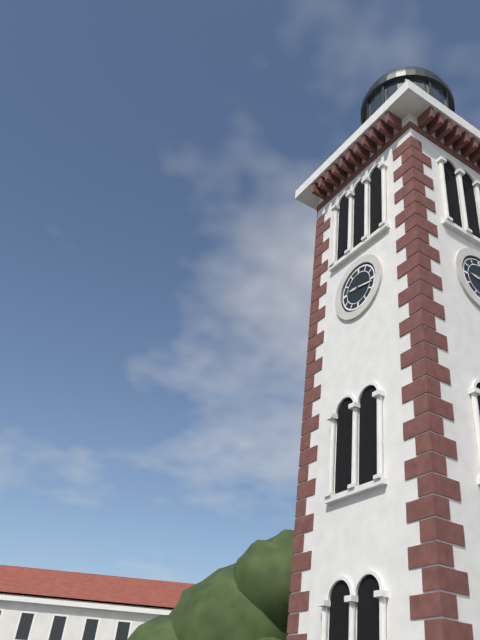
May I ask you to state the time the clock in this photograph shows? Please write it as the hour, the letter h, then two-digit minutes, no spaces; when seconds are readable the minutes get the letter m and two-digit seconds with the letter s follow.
9h17
